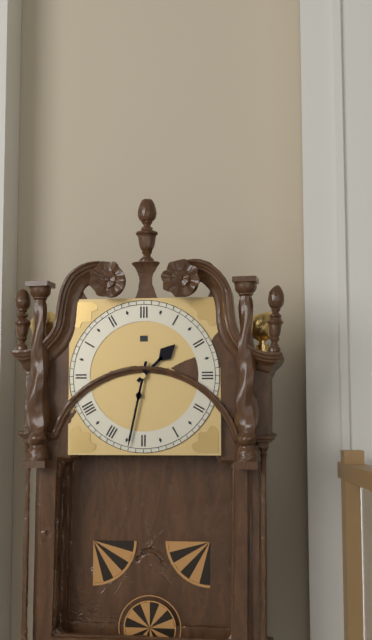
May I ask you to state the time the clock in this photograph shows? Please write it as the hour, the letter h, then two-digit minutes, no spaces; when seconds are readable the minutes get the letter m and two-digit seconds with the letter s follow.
1h32
